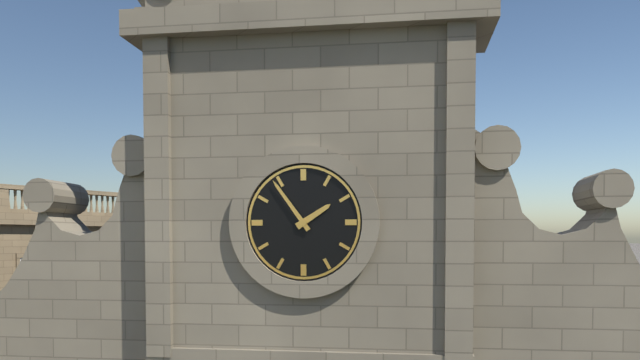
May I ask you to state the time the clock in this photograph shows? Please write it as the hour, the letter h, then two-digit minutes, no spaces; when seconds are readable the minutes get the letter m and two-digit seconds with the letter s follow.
1h54
